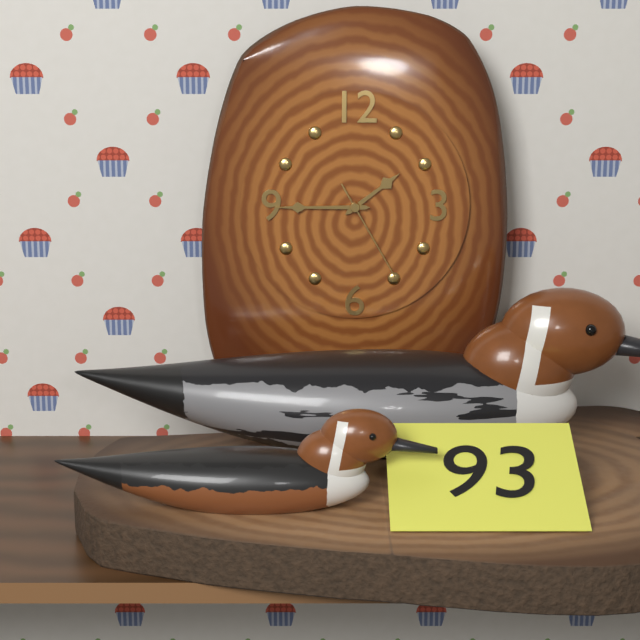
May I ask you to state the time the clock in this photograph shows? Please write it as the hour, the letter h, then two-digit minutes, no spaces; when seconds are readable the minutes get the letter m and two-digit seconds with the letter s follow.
1h45m25s
